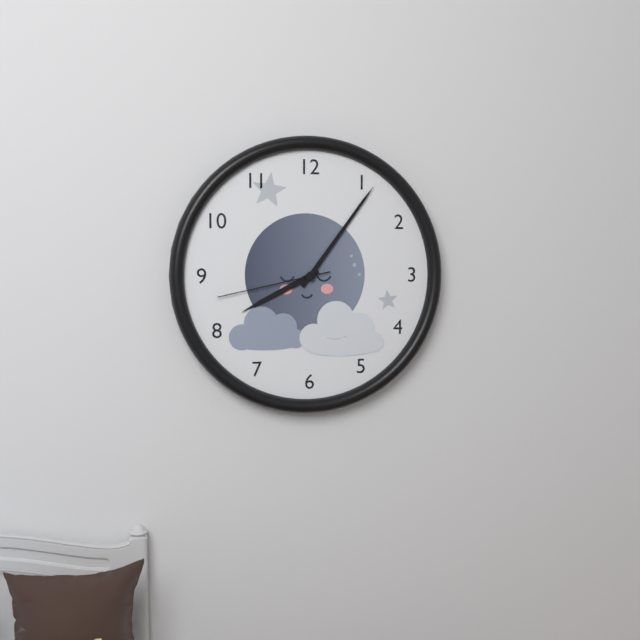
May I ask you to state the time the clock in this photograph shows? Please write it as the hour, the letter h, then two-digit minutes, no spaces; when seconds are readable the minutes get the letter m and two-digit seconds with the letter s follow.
8h06m43s
